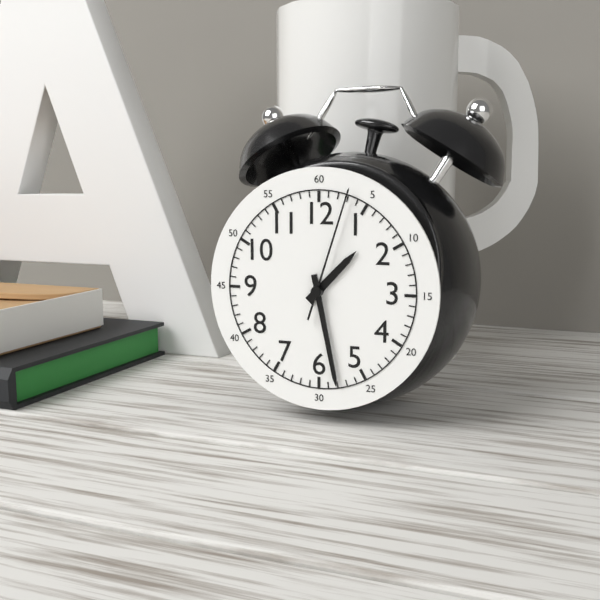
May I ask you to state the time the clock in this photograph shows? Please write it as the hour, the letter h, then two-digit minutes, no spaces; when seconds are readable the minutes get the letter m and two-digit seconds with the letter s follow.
1h28m03s
